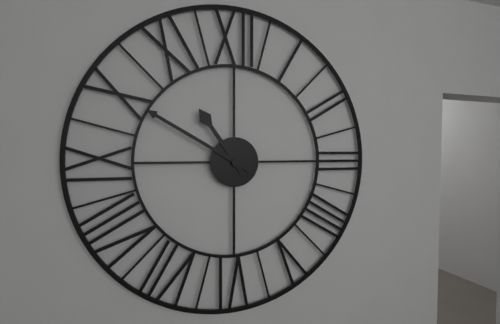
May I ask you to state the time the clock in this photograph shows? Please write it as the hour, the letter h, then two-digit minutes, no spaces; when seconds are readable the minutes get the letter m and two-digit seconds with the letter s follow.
10h50
